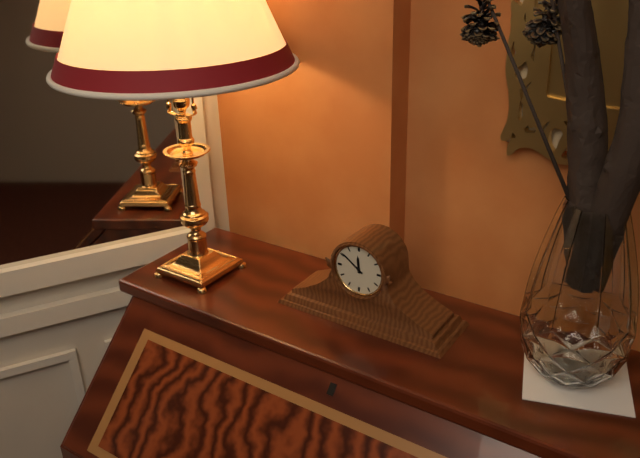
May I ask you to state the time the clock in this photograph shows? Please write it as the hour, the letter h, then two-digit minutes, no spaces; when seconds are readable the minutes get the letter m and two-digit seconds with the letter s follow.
11h51
